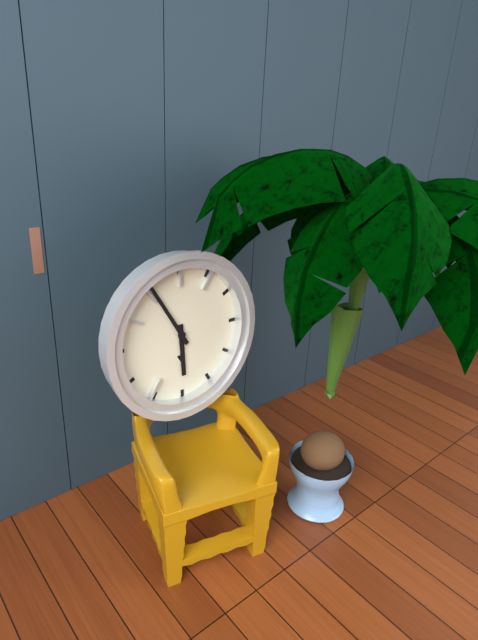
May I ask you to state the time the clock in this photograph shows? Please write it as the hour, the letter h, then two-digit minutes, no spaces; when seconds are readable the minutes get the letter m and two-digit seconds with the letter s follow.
5h55
